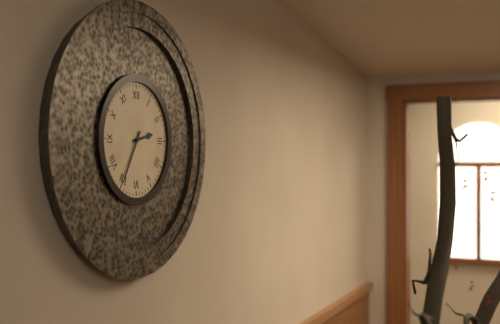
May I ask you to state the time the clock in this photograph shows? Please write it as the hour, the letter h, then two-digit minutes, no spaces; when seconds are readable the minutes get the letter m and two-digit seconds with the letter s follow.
2h35
